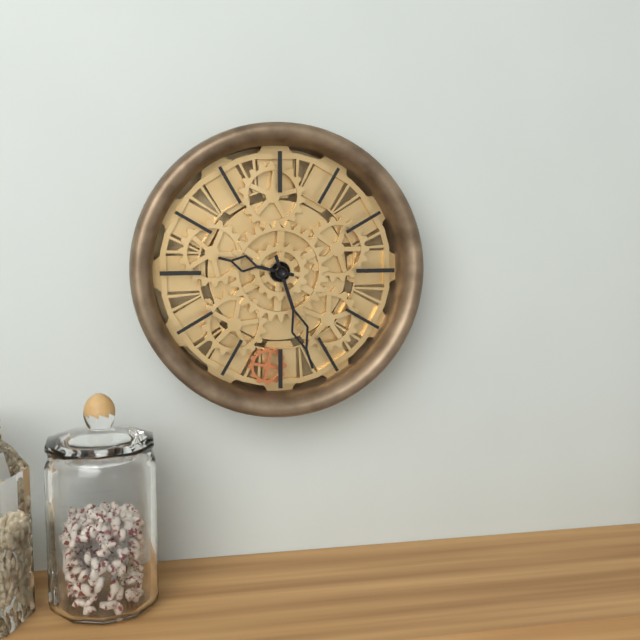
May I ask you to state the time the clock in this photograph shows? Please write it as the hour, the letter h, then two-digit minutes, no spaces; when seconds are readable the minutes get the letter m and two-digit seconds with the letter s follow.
9h27
